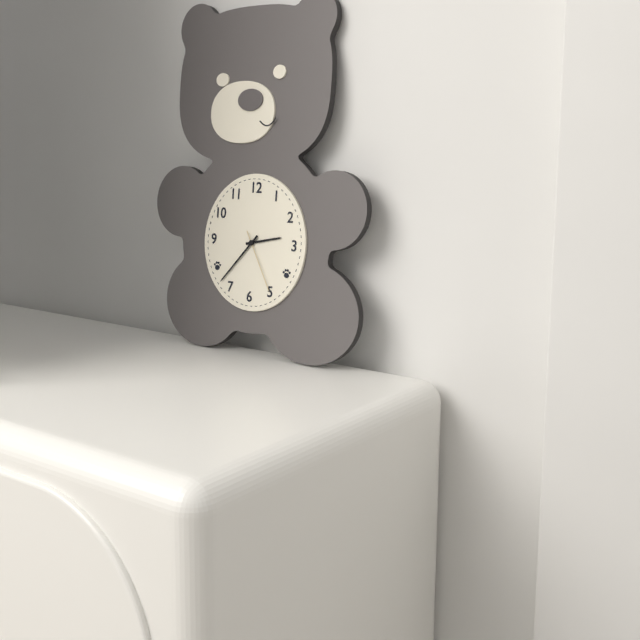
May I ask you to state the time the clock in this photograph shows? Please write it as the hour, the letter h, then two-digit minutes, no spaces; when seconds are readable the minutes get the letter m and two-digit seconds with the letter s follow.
2h37m25s
